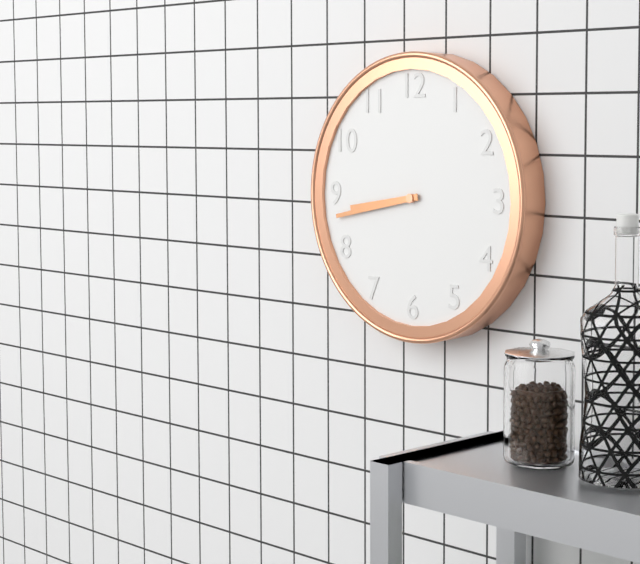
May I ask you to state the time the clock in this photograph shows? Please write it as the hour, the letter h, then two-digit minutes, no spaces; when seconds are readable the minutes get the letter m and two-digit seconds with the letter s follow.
8h43
